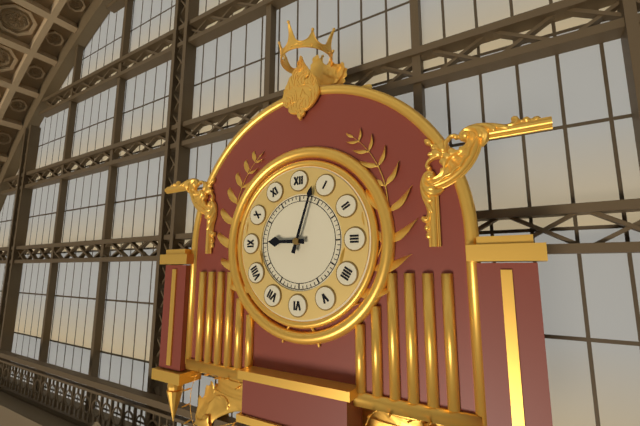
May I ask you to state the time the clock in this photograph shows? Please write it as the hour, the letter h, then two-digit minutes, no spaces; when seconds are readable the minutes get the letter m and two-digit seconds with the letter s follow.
9h03
